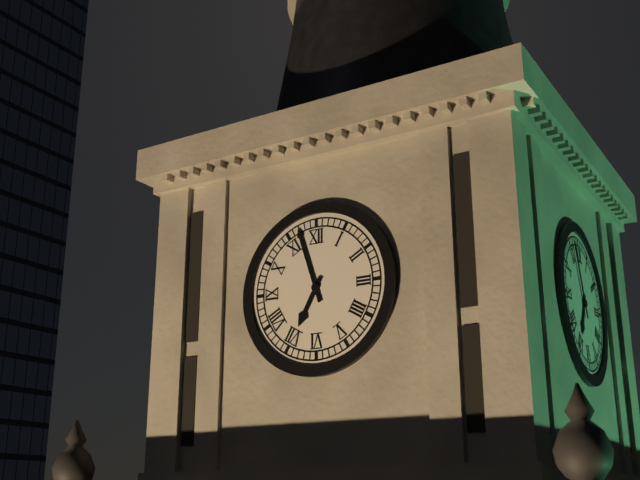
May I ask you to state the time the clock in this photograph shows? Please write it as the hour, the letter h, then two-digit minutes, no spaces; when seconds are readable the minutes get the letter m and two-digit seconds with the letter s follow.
6h57
